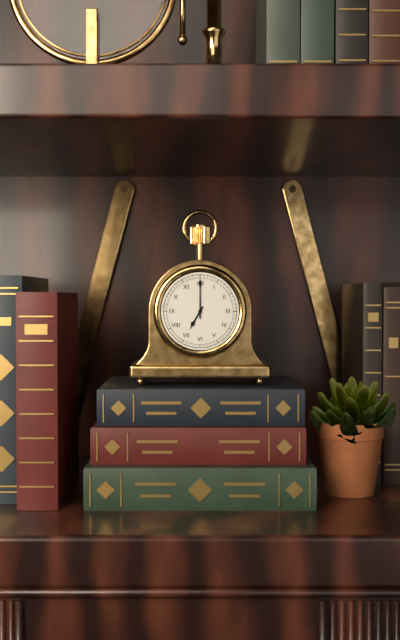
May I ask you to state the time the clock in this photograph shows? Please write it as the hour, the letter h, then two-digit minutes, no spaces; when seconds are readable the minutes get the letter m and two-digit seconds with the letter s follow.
7h00
